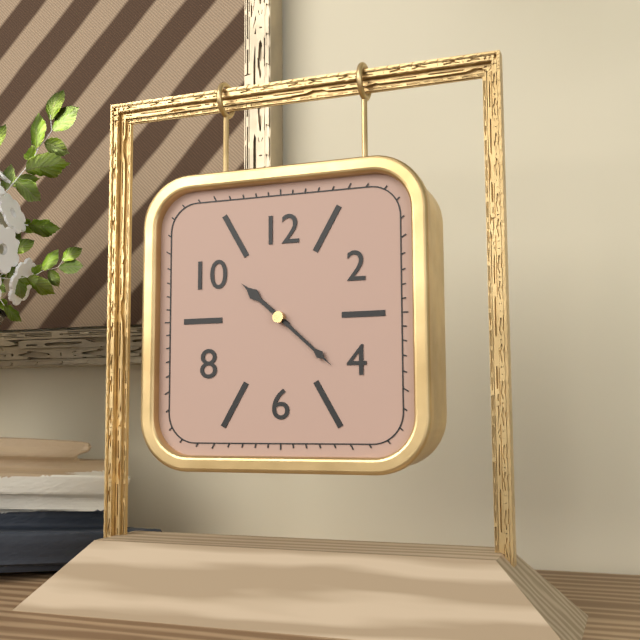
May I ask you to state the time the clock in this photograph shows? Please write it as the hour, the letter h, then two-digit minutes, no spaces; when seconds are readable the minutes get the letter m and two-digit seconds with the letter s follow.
10h22
